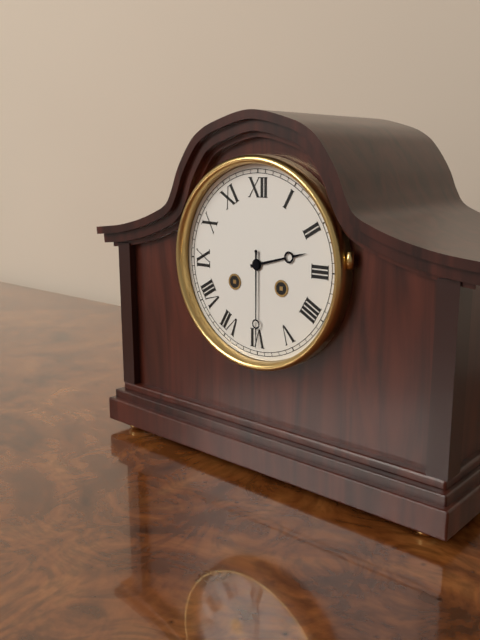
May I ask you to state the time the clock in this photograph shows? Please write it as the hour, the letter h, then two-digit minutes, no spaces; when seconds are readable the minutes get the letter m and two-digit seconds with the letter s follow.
2h30
